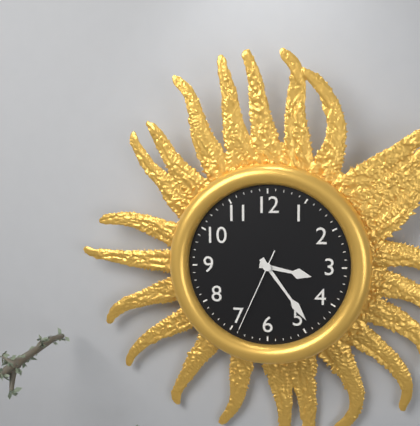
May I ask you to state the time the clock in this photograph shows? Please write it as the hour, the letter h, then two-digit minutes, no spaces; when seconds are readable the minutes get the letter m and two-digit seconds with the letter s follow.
3h24m34s
